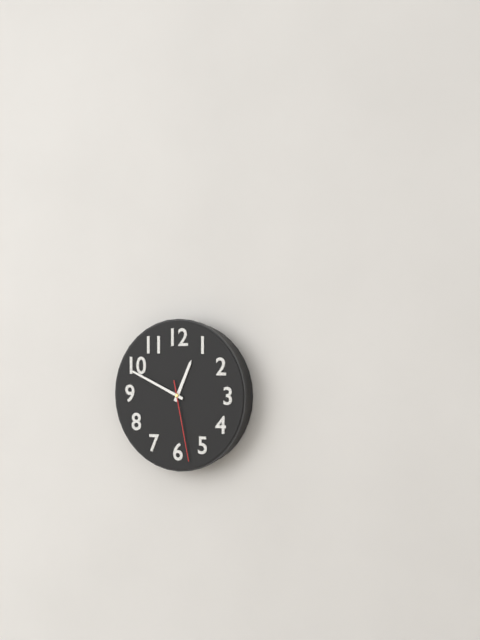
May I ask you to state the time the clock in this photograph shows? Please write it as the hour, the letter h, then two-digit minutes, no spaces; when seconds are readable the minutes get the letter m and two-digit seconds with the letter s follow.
12h49m28s
